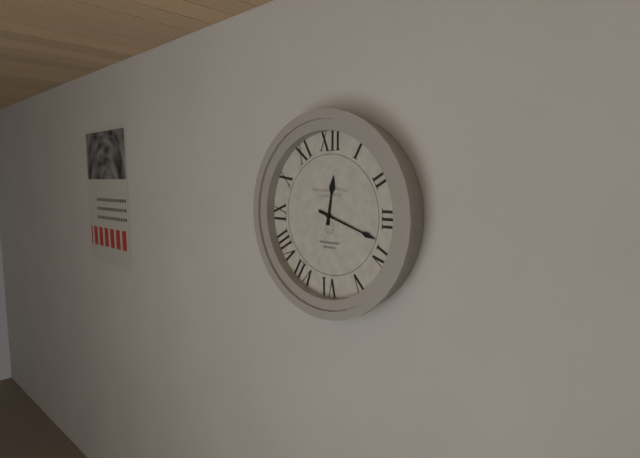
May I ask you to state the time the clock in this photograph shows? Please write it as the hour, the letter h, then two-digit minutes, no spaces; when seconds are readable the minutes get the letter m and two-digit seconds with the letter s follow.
12h18
